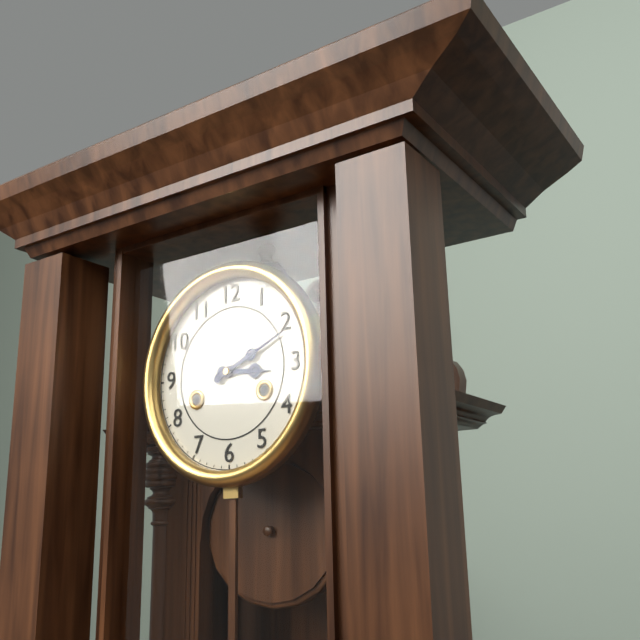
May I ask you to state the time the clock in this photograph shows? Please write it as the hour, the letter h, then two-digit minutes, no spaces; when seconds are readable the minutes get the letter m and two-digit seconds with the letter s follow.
3h11
